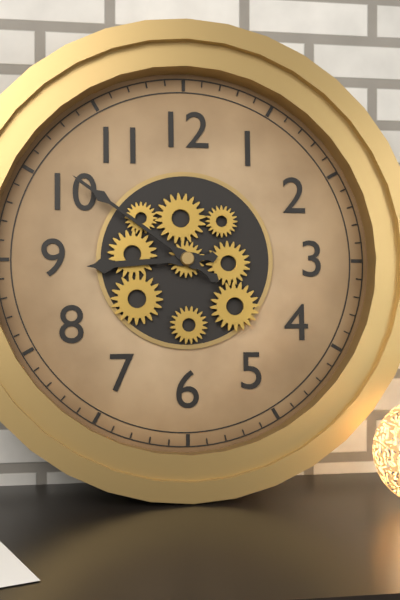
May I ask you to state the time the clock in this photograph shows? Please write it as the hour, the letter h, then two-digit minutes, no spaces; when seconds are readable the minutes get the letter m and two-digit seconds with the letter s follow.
8h51
